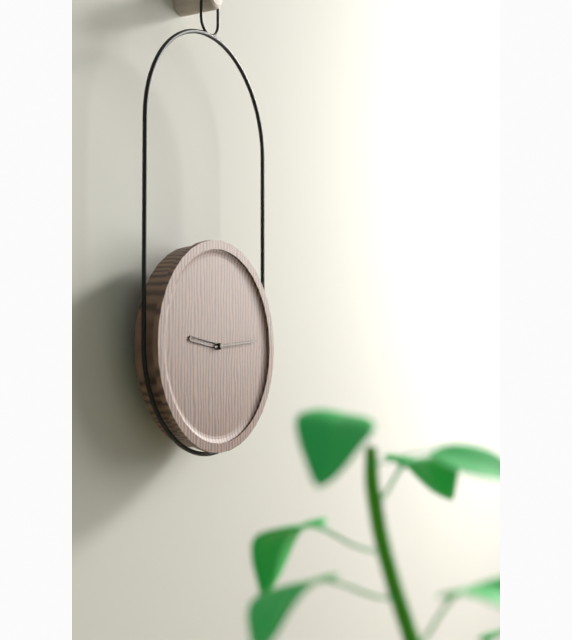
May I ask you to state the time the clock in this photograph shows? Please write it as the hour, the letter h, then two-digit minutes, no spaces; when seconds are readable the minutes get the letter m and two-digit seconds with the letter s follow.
9h14
